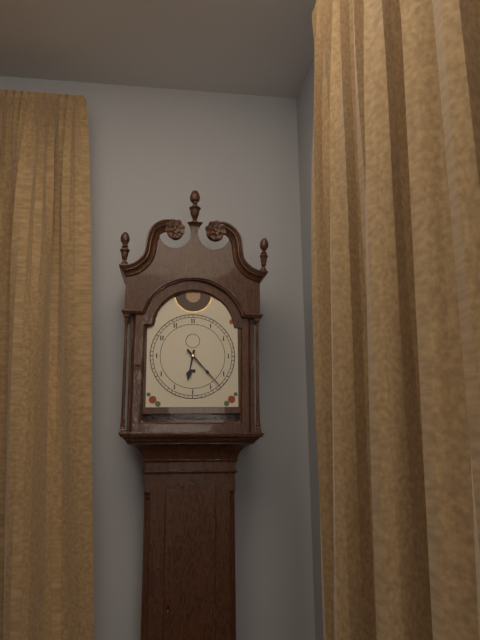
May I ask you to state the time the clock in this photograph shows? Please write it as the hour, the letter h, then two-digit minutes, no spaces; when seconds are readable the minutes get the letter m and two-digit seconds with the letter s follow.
6h23
